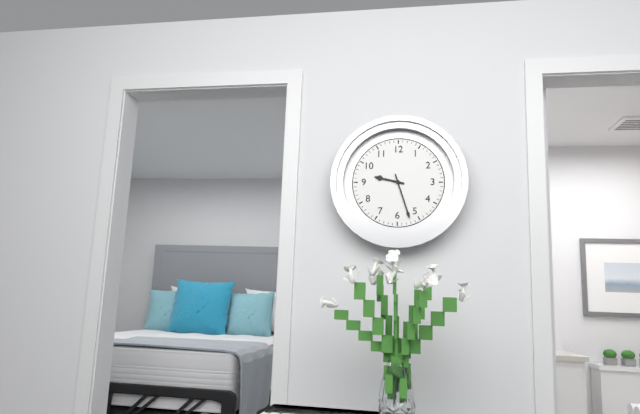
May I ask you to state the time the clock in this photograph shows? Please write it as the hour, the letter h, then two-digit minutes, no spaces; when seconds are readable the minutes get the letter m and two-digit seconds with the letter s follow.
9h27
